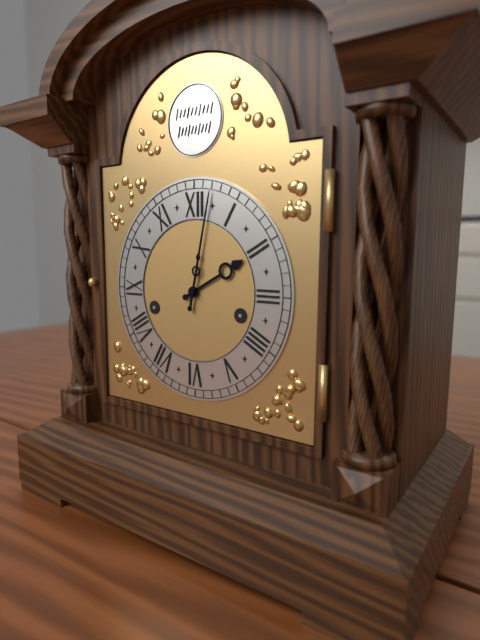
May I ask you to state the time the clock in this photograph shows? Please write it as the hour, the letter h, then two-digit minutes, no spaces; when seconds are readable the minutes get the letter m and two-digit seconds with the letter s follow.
2h02
